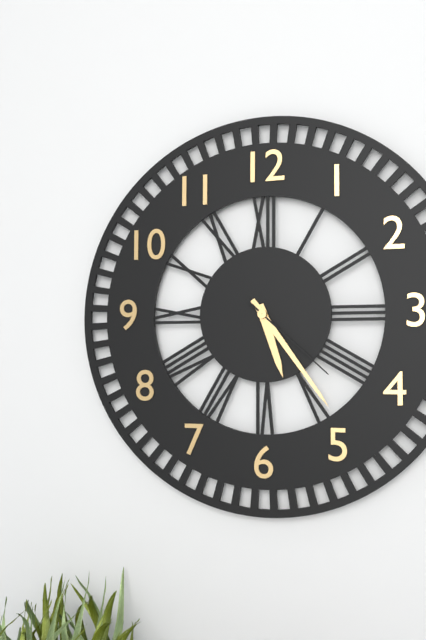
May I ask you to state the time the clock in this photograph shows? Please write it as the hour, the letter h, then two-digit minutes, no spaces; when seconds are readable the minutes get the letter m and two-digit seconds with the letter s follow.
5h24m22s
